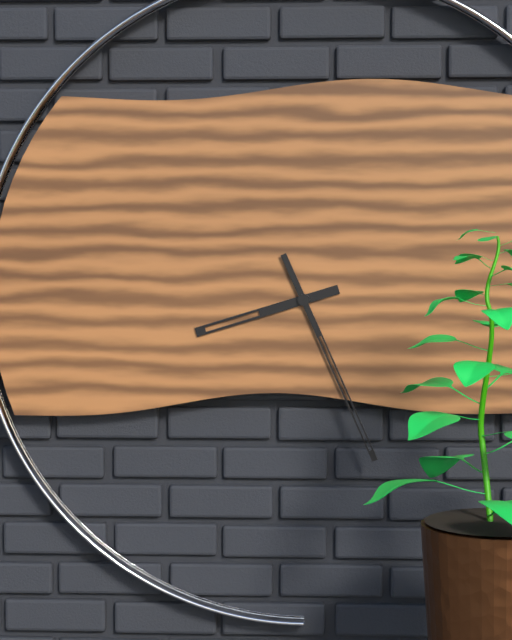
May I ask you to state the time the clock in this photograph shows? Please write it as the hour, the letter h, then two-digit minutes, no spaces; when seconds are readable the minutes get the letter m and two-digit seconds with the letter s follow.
8h26
